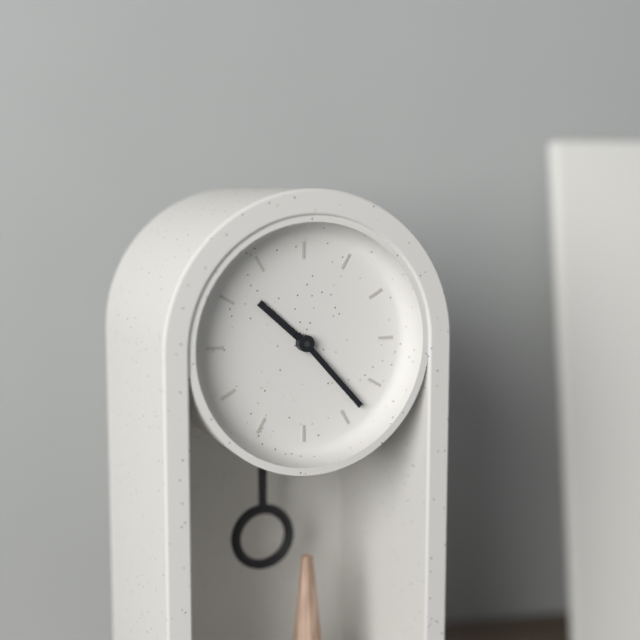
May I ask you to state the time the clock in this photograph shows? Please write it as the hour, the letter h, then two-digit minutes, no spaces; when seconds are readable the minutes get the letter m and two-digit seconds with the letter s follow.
10h23
